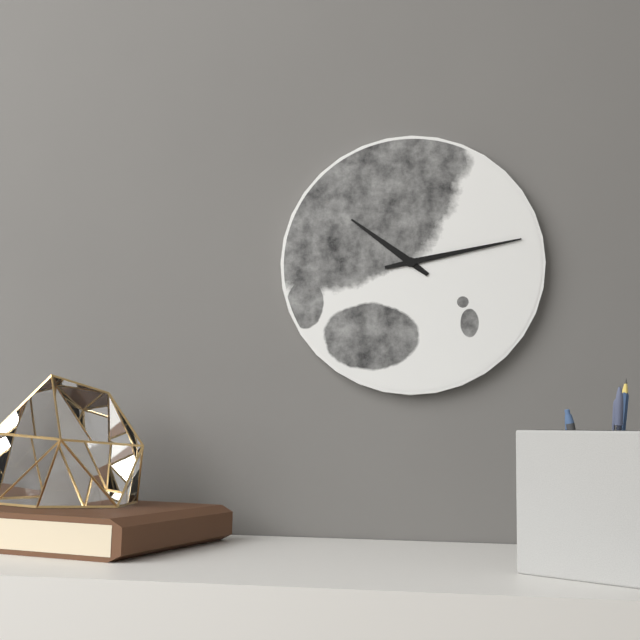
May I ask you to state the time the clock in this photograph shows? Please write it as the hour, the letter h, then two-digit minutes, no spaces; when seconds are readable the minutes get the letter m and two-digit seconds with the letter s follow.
10h13
